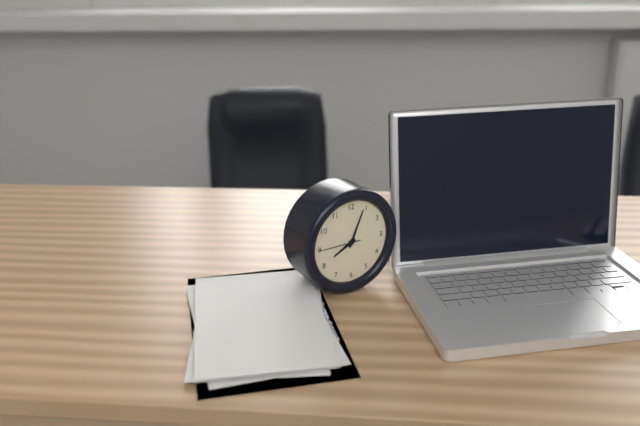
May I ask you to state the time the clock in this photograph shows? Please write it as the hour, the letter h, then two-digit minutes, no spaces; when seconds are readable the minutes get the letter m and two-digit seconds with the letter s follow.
8h04
